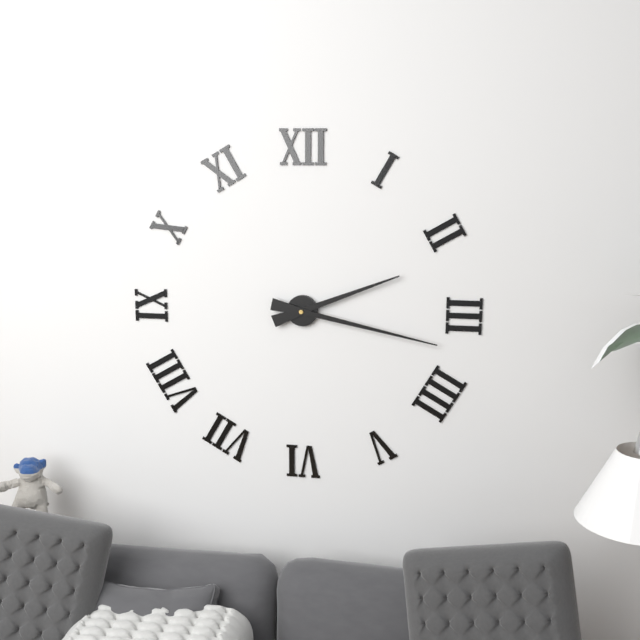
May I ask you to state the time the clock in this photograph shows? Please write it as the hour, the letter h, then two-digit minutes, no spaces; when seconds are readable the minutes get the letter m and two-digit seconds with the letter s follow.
2h17
